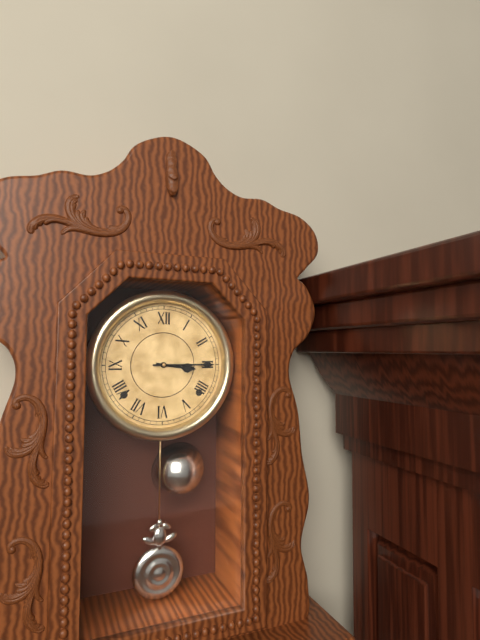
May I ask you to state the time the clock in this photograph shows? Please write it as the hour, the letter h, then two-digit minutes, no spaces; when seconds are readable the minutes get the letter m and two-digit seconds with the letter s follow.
3h15
